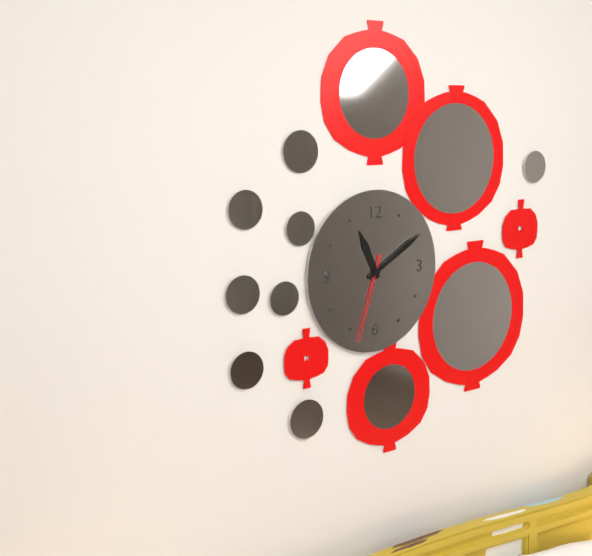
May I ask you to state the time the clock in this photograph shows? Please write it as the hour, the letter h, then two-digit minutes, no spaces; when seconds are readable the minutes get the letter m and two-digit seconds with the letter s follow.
11h10m33s
